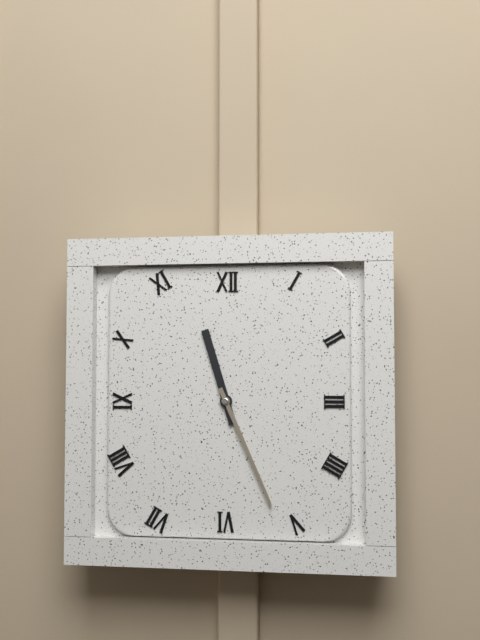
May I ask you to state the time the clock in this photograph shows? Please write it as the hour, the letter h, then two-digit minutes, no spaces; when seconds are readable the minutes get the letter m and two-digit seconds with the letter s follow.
11h26
